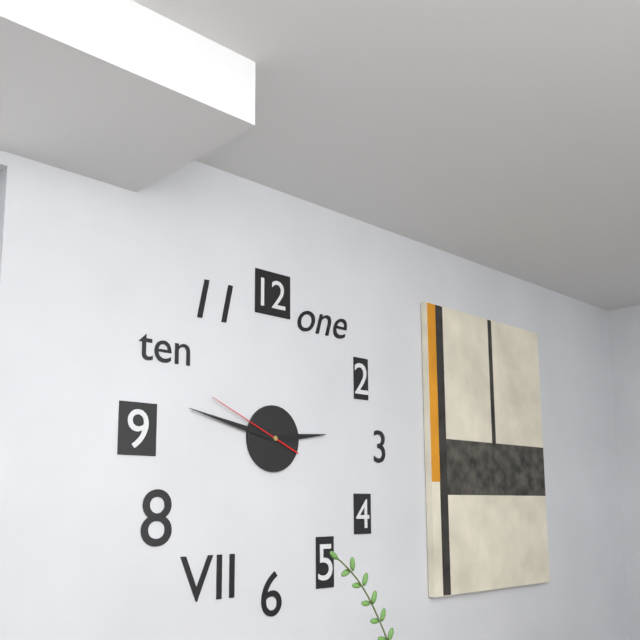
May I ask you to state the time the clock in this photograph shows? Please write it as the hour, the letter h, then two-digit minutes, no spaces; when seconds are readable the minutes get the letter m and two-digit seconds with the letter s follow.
2h47m49s
